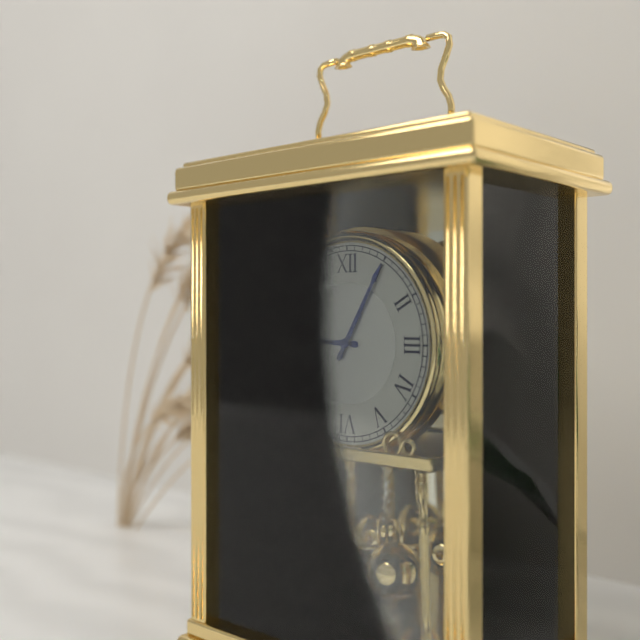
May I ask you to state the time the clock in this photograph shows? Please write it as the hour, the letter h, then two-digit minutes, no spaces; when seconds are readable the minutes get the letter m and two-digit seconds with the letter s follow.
9h05
